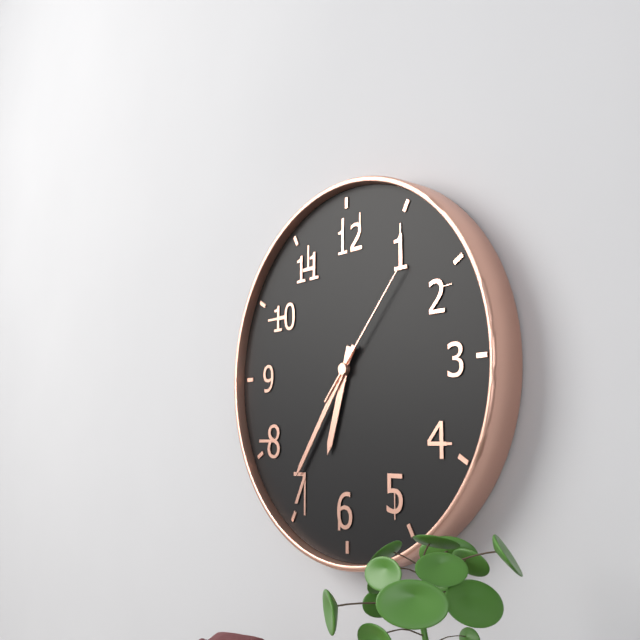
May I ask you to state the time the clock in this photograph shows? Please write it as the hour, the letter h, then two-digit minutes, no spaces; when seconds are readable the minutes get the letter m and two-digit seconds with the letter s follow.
6h36m07s
